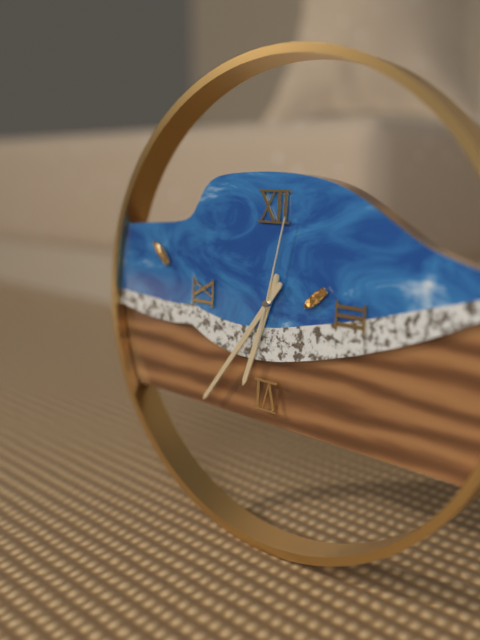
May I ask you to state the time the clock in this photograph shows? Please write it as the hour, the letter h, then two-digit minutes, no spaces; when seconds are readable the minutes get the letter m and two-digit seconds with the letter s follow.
6h36m02s
